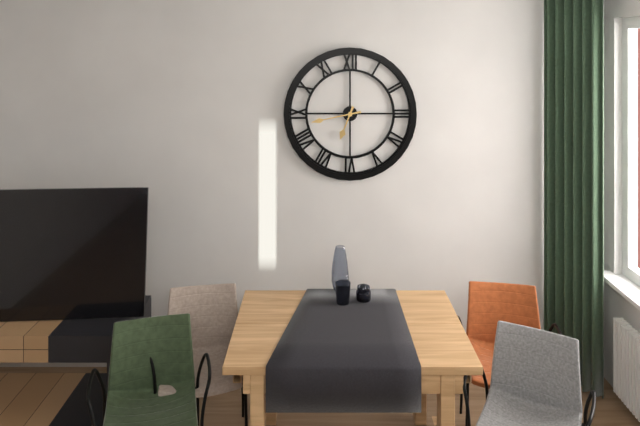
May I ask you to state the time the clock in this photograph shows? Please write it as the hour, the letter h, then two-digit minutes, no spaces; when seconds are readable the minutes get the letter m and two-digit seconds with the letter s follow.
6h43
